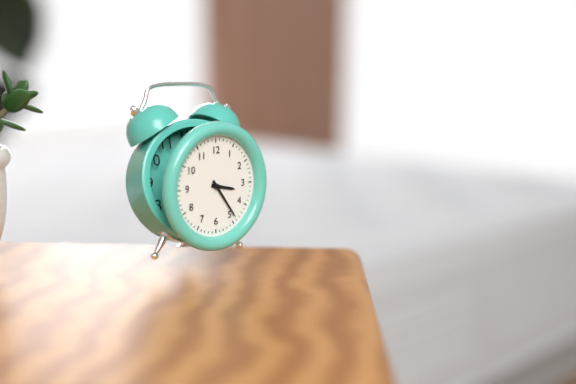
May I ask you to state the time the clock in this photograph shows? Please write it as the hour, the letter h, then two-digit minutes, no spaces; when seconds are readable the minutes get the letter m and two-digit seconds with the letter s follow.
3h24
